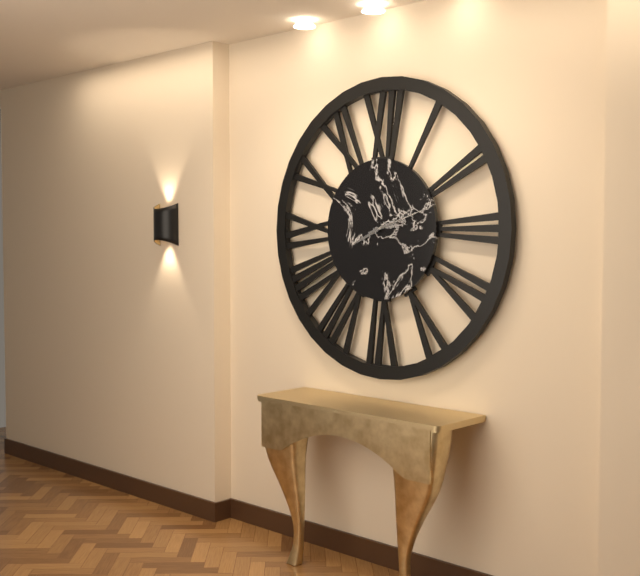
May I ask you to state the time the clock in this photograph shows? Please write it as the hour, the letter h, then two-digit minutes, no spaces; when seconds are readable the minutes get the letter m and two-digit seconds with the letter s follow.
8h12
